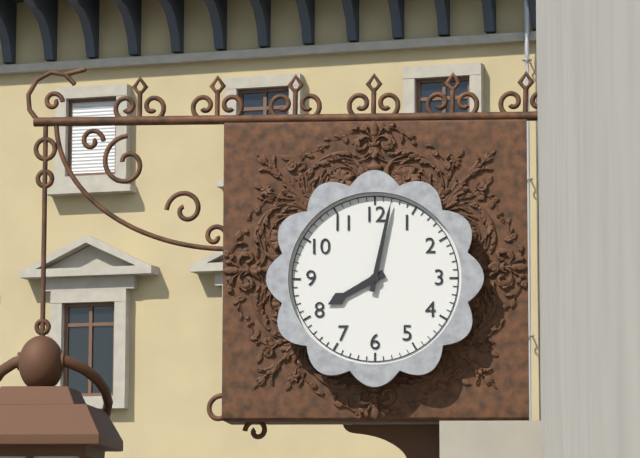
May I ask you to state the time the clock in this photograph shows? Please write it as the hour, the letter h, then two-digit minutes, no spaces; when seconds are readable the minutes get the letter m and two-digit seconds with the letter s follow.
8h02
